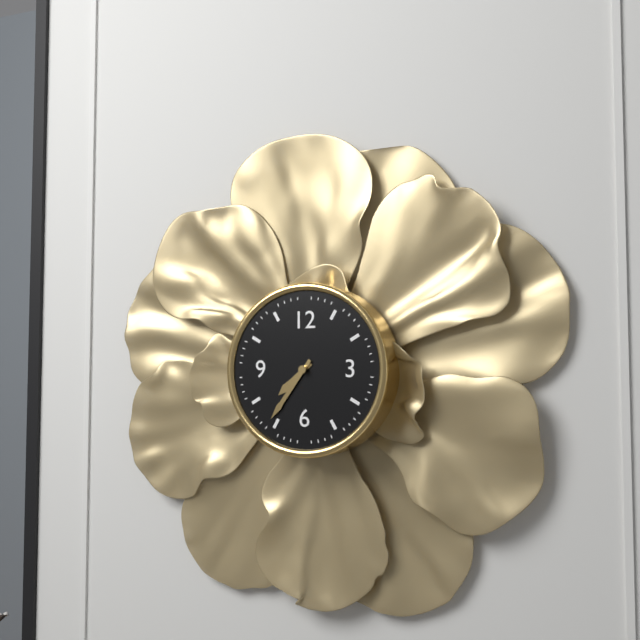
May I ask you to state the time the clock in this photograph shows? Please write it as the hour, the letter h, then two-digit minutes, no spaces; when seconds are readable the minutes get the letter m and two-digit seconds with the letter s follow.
7h36
